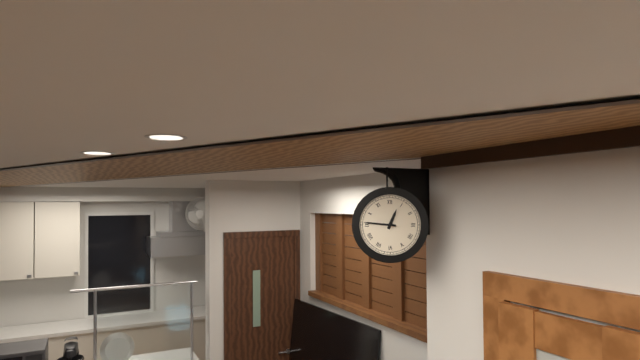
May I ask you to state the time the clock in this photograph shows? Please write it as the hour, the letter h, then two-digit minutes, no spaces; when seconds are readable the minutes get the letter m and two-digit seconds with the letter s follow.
12h46
